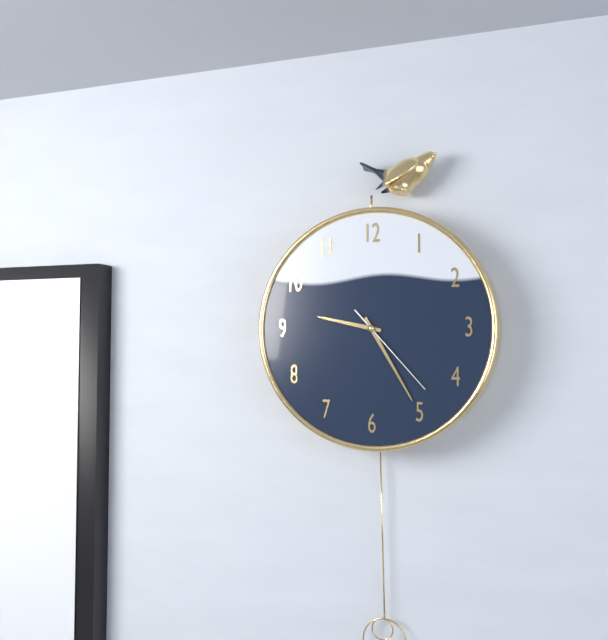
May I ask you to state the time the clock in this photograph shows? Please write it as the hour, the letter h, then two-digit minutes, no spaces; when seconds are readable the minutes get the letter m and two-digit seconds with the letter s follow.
9h25m23s
